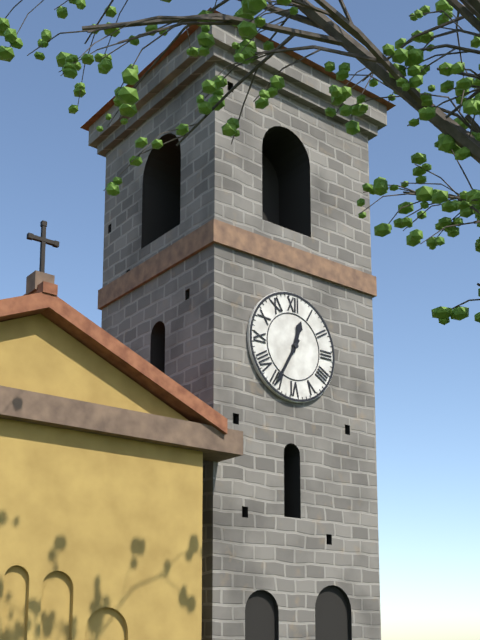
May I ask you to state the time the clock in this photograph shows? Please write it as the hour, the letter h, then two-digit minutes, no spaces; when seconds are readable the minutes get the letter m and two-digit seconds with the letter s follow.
12h35
